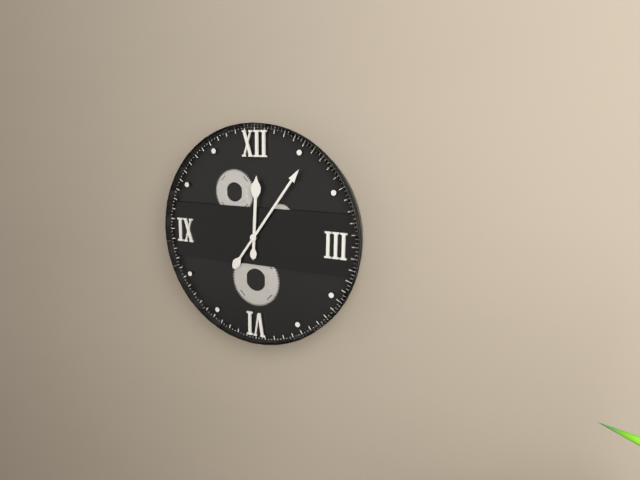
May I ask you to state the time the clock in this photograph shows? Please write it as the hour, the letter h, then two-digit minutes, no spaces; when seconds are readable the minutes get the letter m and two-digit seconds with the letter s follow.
12h06
